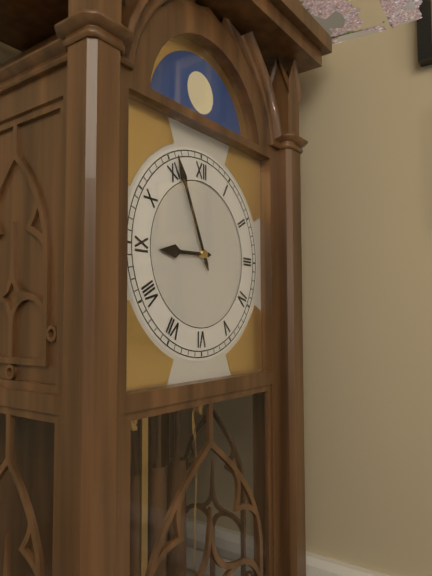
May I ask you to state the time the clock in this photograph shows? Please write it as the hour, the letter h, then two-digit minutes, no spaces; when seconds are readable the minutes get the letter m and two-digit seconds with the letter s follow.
8h56
